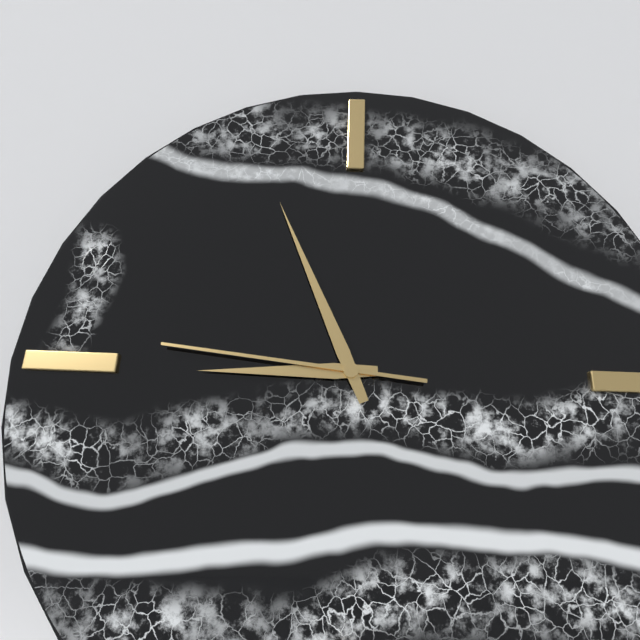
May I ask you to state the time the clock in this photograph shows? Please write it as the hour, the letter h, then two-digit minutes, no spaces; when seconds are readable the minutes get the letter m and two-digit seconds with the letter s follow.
8h56m46s
